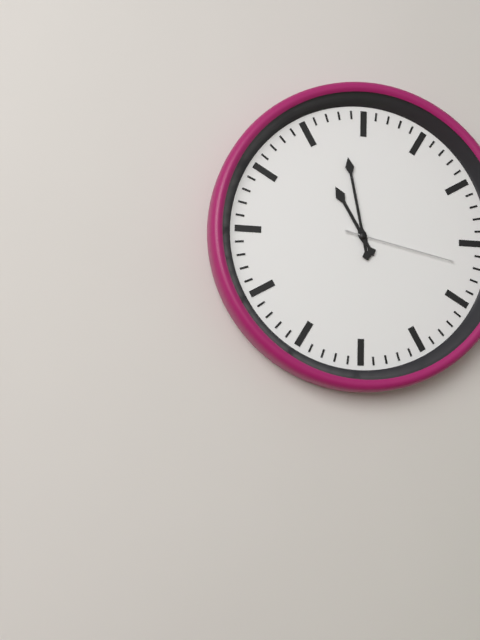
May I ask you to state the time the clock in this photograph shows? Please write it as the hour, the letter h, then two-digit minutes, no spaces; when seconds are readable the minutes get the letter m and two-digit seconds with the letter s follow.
10h58m17s
